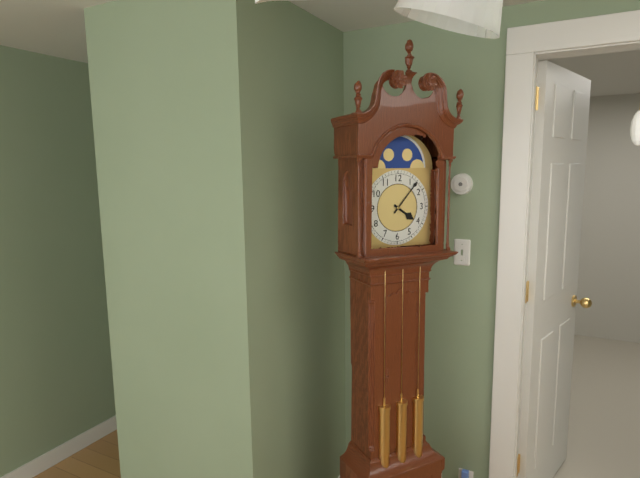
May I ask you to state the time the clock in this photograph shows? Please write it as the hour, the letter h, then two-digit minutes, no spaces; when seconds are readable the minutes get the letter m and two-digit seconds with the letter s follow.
4h07
